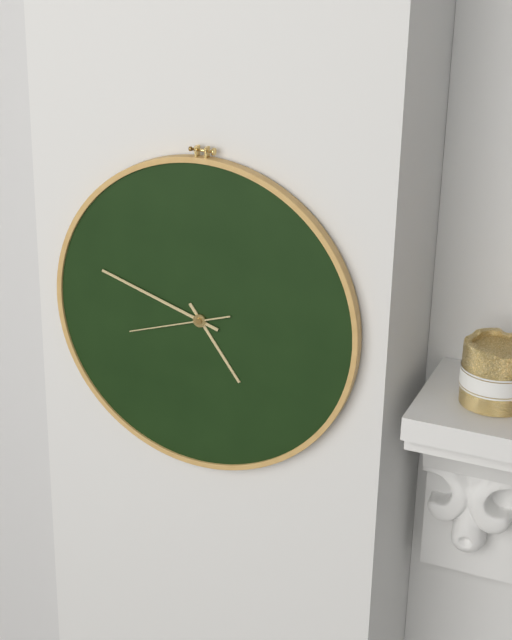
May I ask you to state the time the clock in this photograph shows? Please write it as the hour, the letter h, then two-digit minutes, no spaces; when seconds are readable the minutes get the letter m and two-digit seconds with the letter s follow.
4h48m42s
